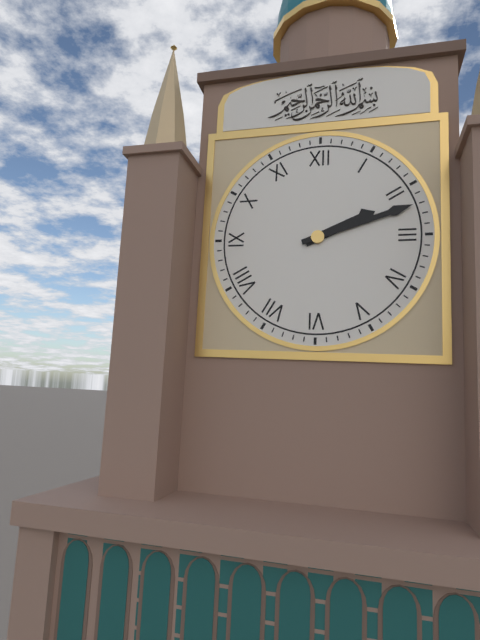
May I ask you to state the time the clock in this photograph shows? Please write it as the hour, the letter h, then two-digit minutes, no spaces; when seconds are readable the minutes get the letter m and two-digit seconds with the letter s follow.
2h12
